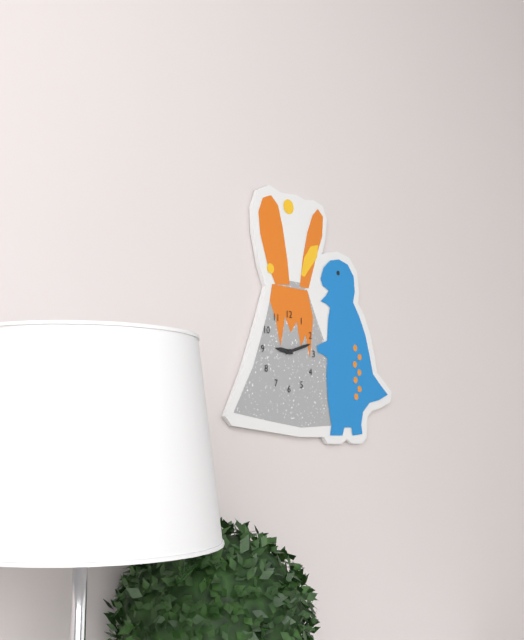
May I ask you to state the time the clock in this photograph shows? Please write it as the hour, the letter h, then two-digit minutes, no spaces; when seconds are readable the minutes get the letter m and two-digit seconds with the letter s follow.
9h12
